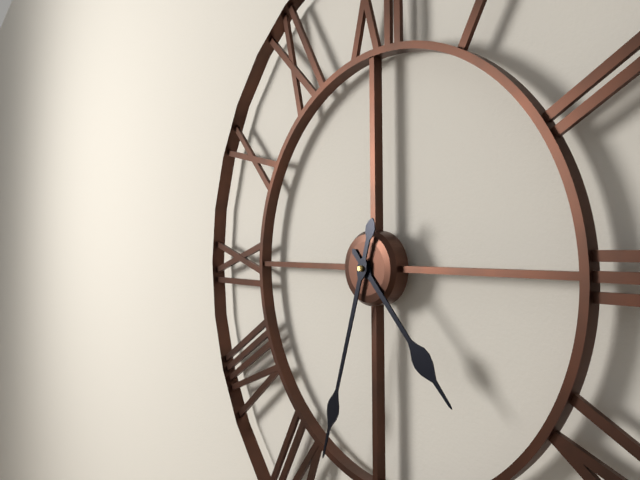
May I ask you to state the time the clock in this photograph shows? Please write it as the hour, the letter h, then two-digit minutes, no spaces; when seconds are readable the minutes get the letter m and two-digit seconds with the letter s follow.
4h33
